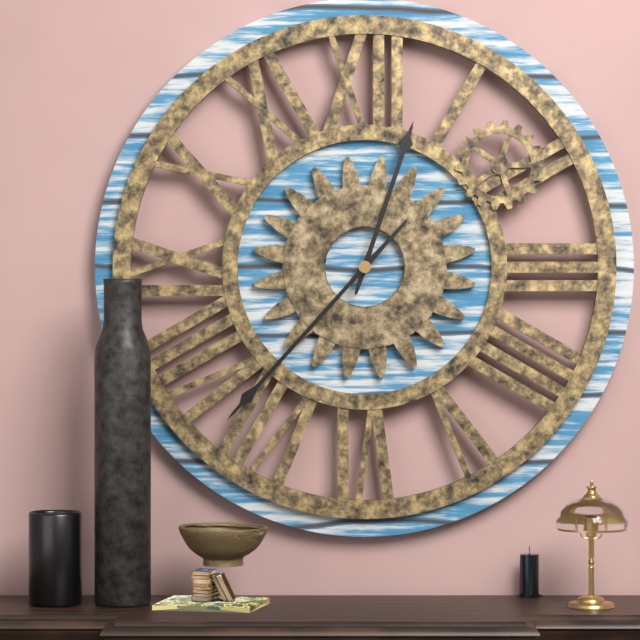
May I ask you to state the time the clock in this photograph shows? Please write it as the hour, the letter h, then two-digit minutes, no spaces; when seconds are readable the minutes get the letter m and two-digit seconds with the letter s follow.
12h37
